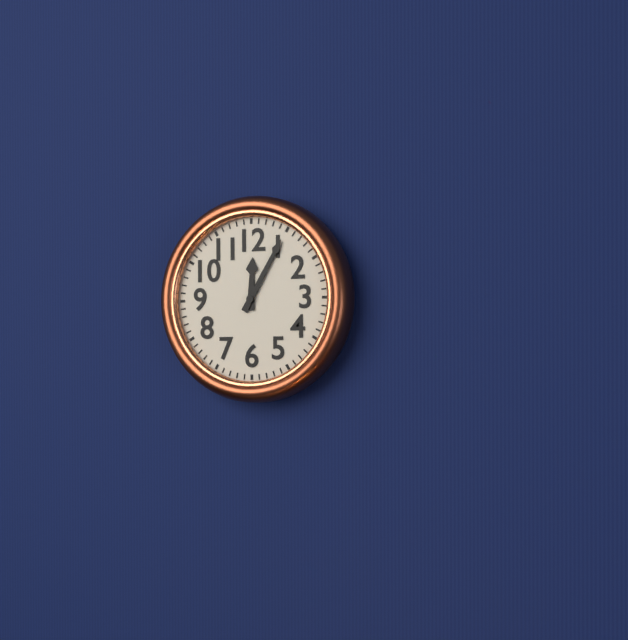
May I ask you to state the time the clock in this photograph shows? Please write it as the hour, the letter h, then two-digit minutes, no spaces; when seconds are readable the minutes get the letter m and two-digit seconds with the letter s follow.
12h05
